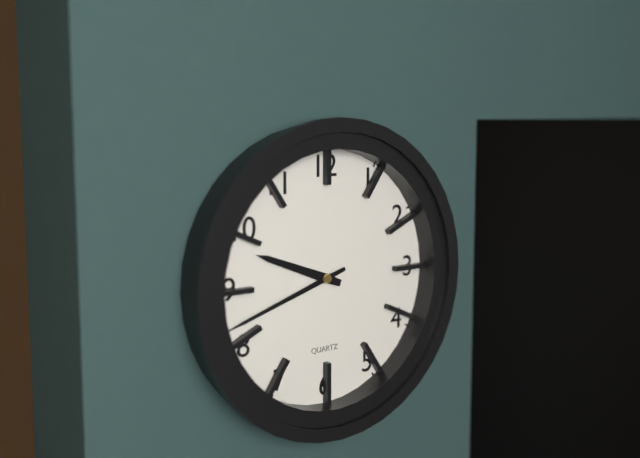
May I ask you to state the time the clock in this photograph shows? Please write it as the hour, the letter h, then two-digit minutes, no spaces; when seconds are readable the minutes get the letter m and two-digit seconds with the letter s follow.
9h42
